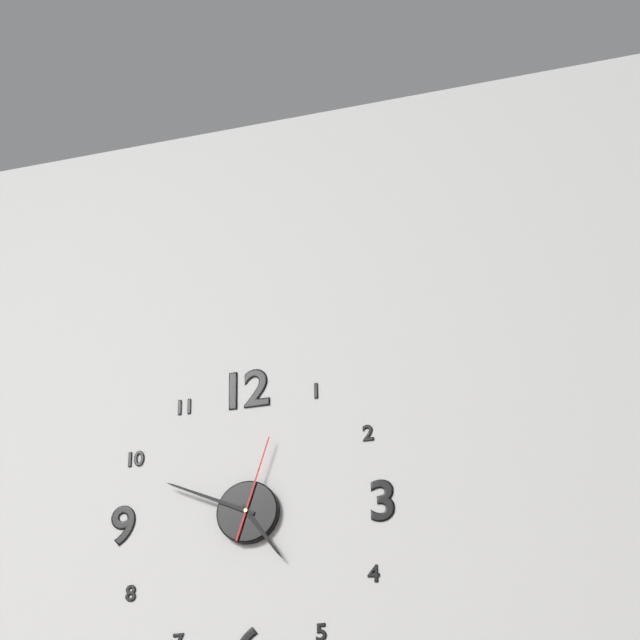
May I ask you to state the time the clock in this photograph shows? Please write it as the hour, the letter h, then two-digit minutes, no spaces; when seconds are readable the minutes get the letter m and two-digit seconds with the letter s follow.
4h49m03s
